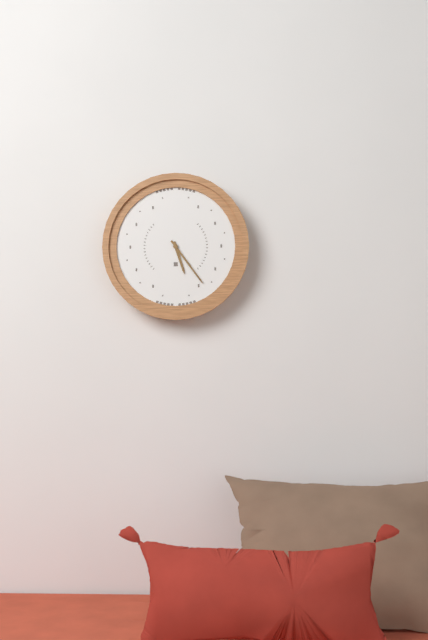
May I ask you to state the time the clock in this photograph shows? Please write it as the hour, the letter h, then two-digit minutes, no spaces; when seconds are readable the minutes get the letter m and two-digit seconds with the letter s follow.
5h24
